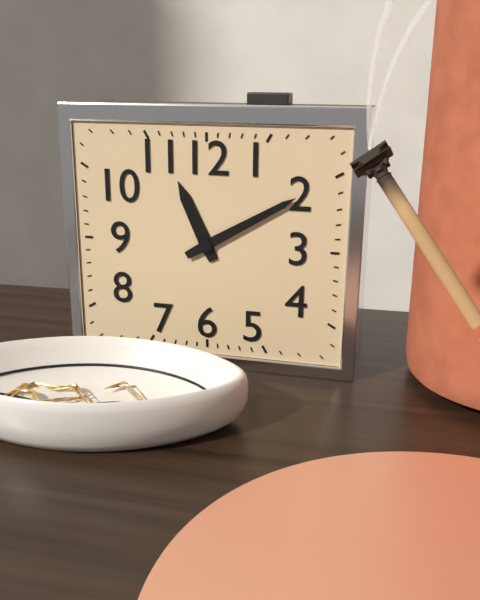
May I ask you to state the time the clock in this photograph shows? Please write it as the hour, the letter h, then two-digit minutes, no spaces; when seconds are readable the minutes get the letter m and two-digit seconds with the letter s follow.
11h10
